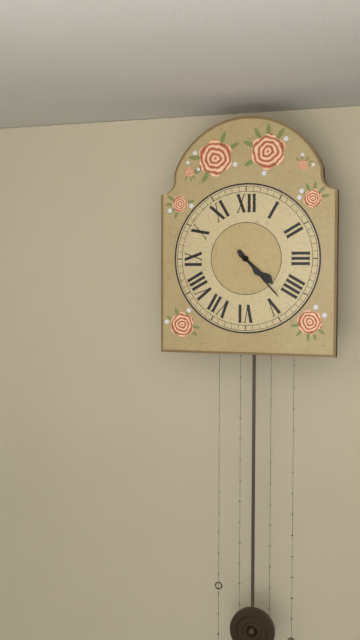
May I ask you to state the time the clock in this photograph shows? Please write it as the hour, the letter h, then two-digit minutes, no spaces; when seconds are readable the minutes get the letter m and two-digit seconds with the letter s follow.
4h23
